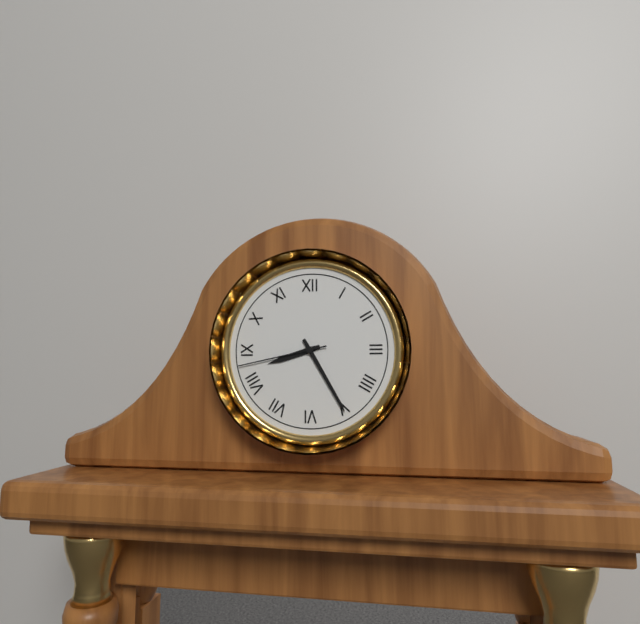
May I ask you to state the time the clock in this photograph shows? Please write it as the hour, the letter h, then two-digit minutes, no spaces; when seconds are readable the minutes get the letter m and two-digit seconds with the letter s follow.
8h25m43s
